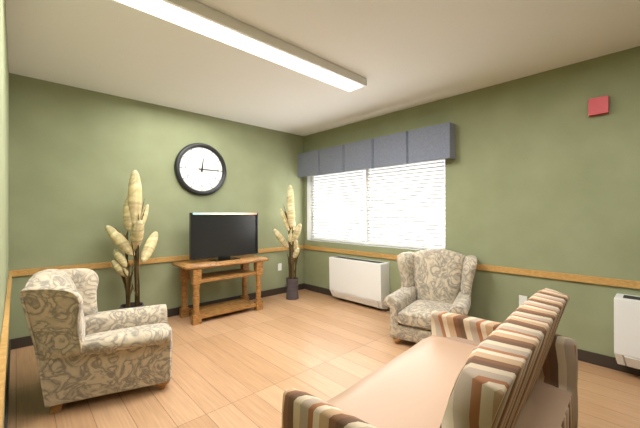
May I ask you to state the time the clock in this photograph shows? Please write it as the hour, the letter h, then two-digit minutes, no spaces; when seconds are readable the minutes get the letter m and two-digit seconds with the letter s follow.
12h15
